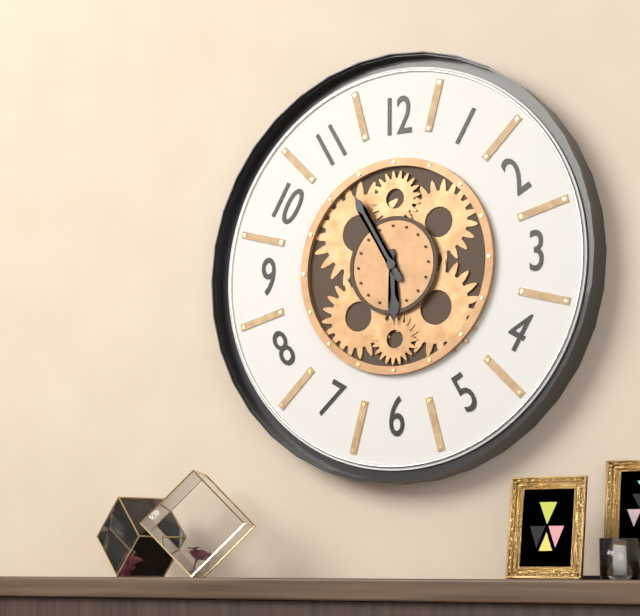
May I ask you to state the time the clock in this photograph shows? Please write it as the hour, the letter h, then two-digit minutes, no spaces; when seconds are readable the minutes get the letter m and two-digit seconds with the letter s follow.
5h55
